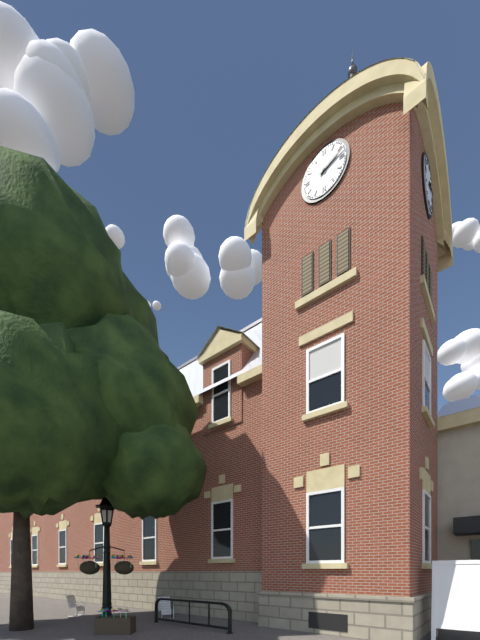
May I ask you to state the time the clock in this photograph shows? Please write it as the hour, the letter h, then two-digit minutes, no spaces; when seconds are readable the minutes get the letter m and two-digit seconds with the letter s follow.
2h12
